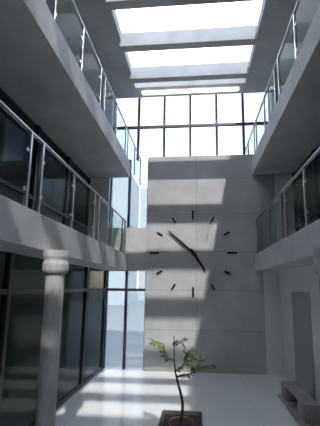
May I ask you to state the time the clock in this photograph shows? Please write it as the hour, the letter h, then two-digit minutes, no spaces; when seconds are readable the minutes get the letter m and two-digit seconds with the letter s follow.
4h52
